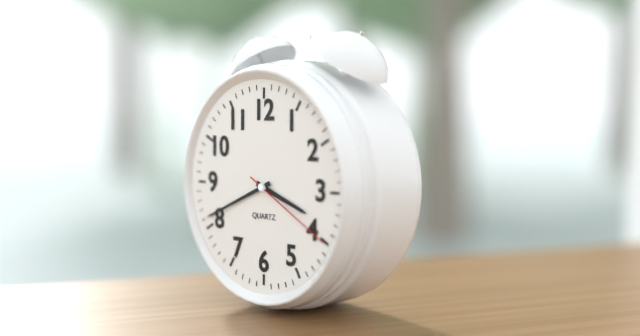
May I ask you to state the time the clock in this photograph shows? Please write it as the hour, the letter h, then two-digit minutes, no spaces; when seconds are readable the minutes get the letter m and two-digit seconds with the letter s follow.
3h41m20s
